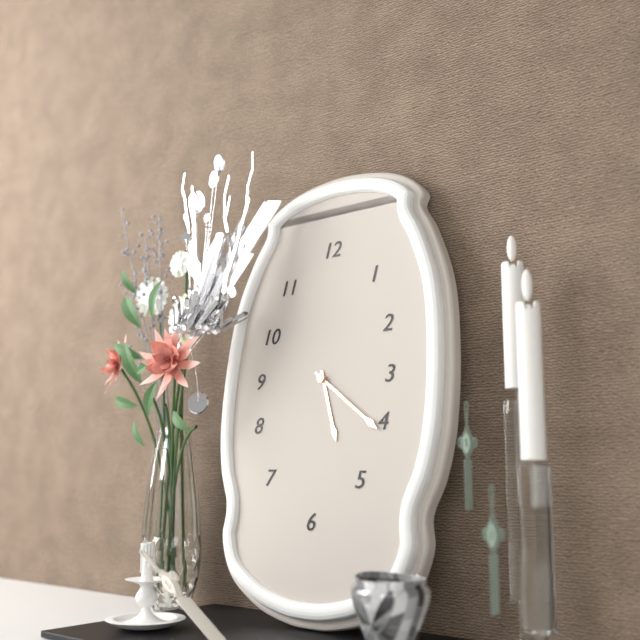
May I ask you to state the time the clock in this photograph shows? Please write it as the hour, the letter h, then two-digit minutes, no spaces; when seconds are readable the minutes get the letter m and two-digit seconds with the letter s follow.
5h21
